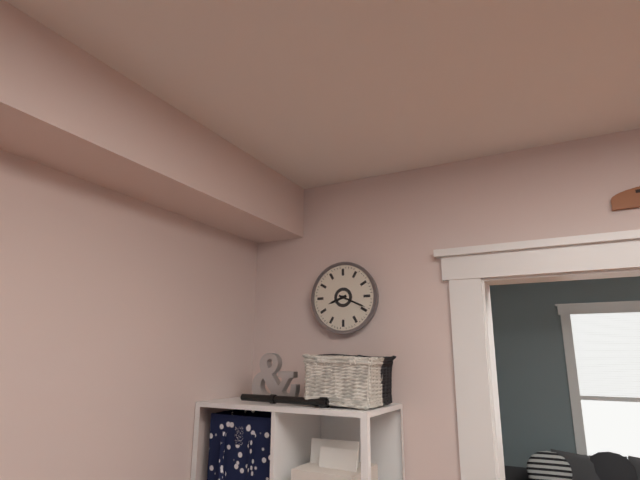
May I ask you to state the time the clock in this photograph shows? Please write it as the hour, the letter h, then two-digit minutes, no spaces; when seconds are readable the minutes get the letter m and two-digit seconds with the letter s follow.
8h19
